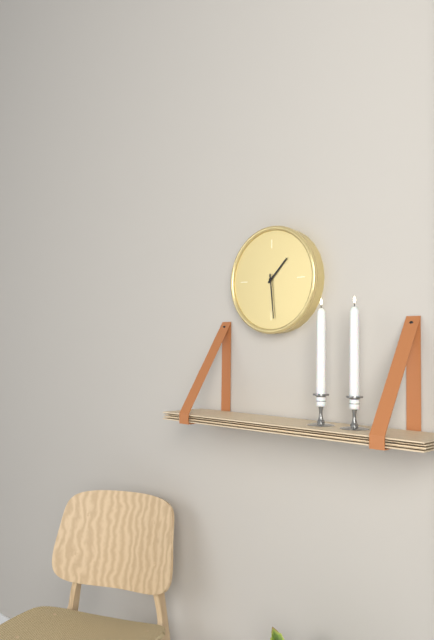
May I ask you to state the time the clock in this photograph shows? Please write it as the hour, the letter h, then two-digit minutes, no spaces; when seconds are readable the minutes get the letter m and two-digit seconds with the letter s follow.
1h29
